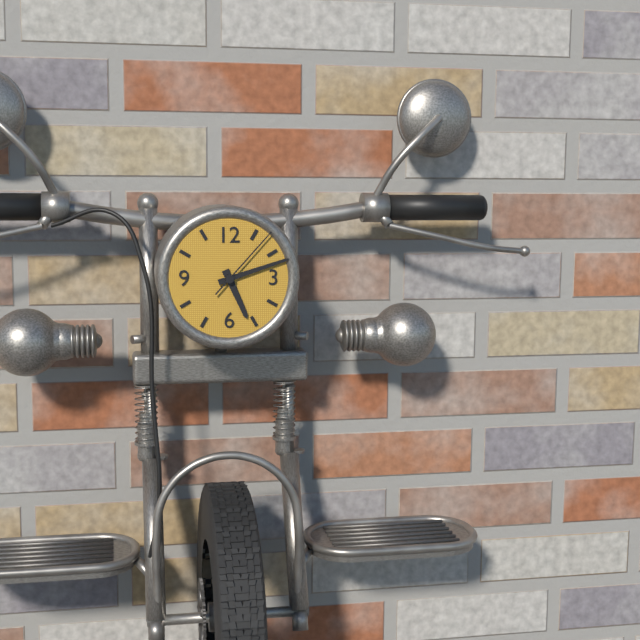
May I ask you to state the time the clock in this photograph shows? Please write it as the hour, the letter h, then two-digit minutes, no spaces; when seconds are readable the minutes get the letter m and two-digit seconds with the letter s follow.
5h12m07s
